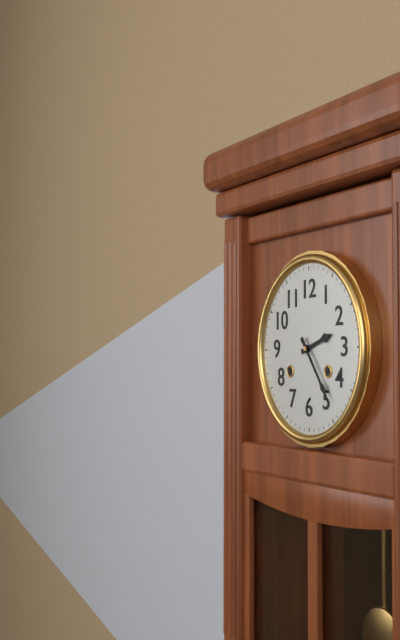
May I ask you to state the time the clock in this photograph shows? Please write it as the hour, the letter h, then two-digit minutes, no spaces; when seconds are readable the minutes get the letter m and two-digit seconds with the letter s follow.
2h24
